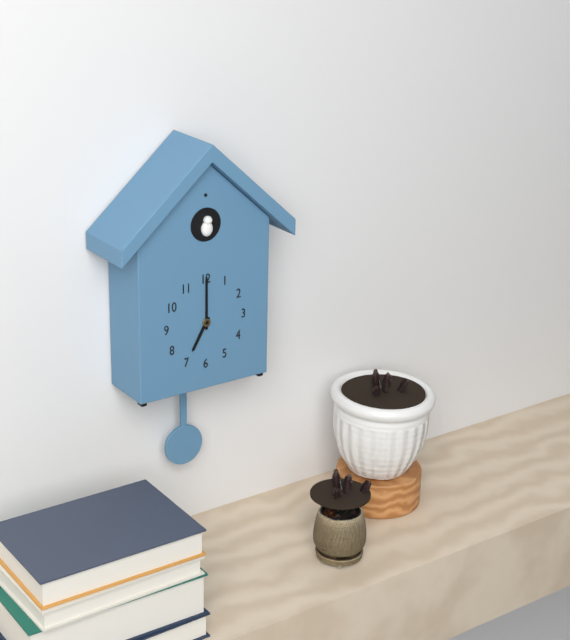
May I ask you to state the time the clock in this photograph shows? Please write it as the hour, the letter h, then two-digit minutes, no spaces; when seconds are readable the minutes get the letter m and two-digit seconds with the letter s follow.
7h00
